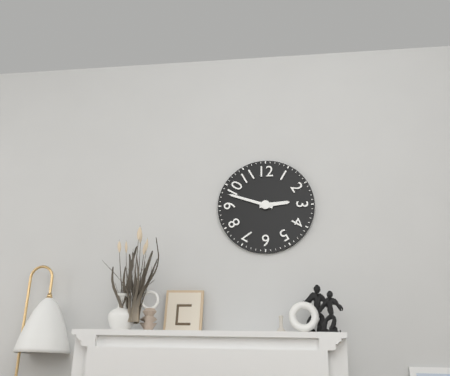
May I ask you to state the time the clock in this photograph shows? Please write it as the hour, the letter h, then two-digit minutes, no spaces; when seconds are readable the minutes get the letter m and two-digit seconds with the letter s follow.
2h48
